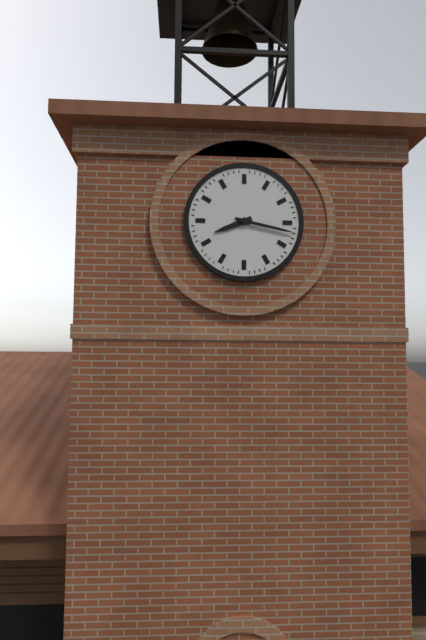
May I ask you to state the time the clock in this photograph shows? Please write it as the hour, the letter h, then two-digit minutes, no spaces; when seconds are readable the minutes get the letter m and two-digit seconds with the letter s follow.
8h17
